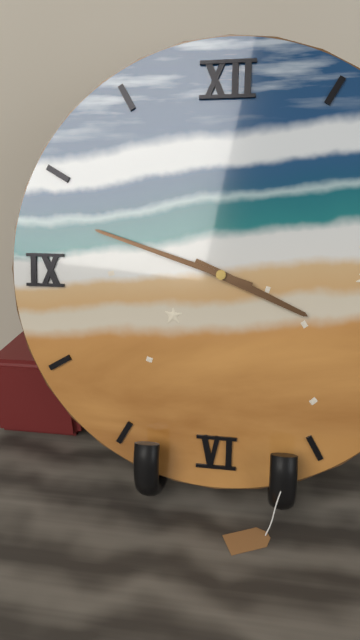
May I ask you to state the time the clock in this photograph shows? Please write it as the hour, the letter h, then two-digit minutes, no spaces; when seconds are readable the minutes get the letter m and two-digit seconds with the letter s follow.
3h48
